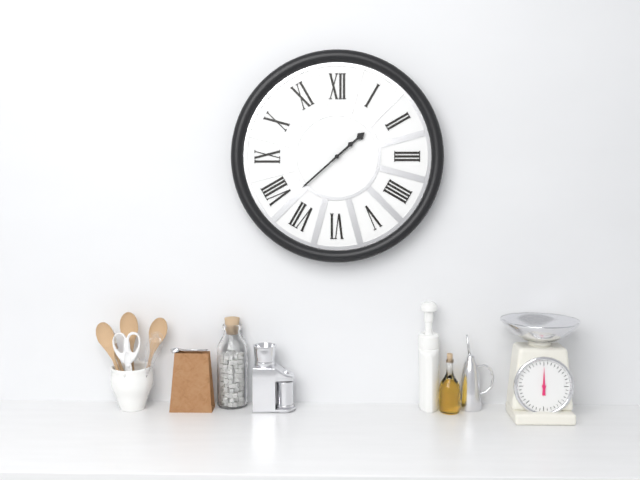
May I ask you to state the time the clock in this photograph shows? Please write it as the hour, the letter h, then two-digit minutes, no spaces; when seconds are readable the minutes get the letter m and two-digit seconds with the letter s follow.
1h38
